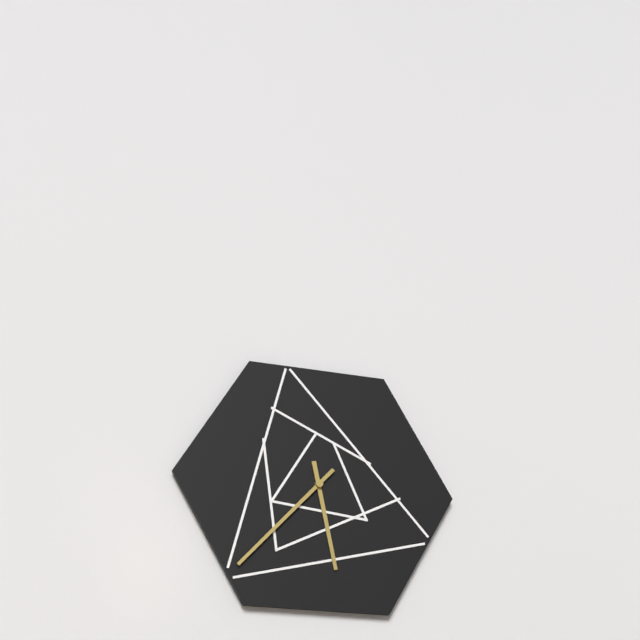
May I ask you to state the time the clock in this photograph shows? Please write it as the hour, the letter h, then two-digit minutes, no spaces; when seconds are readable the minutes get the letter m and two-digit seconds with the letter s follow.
5h37
